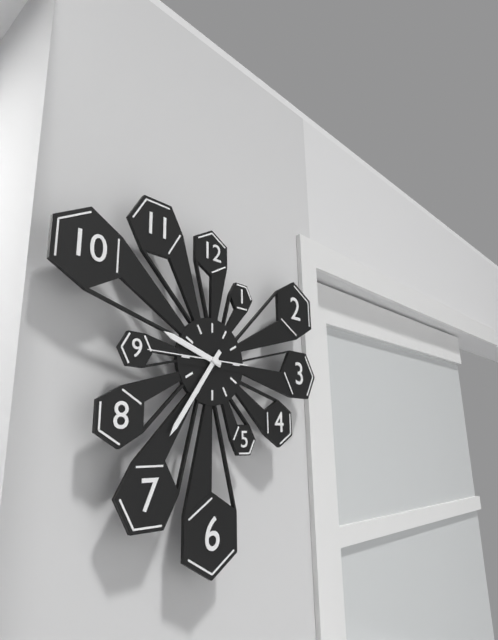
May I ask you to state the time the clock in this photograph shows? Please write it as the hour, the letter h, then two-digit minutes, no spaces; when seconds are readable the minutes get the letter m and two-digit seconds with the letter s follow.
9h36m45s
